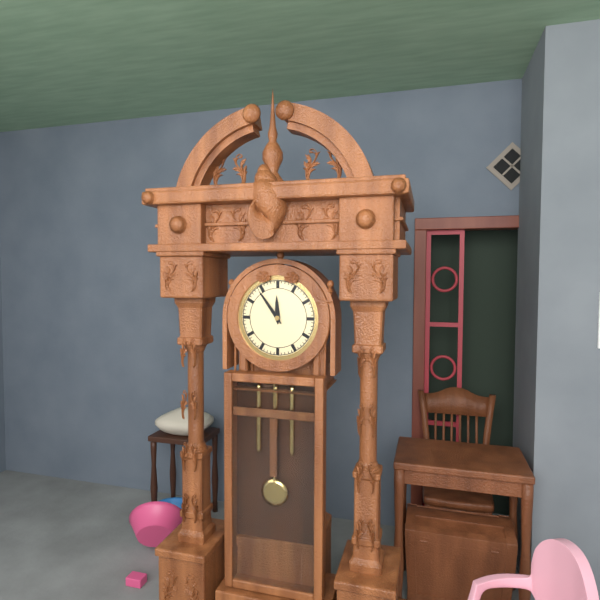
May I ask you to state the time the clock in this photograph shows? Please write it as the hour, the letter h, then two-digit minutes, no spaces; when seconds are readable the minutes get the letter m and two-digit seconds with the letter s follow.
11h54
